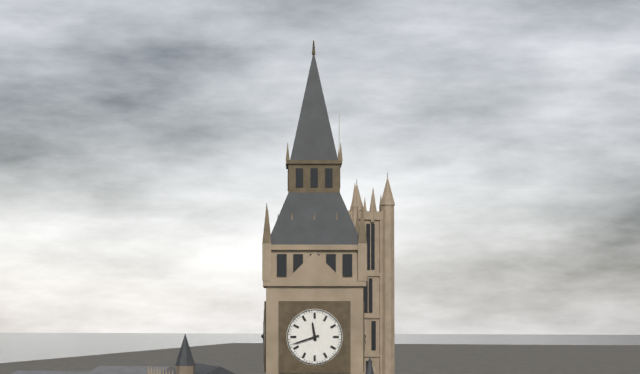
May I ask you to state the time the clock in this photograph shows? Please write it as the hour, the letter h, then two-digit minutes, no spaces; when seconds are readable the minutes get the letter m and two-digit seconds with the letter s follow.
11h42
